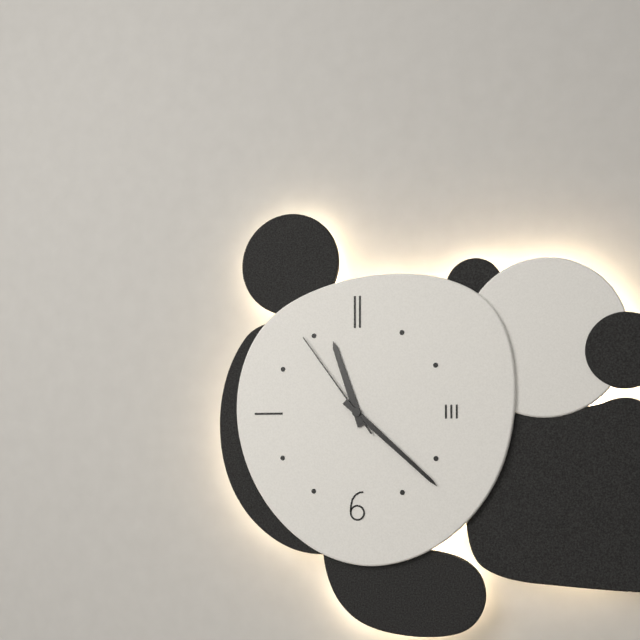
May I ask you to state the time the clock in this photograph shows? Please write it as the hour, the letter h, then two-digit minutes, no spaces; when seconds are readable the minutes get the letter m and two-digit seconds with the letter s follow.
11h22m54s
